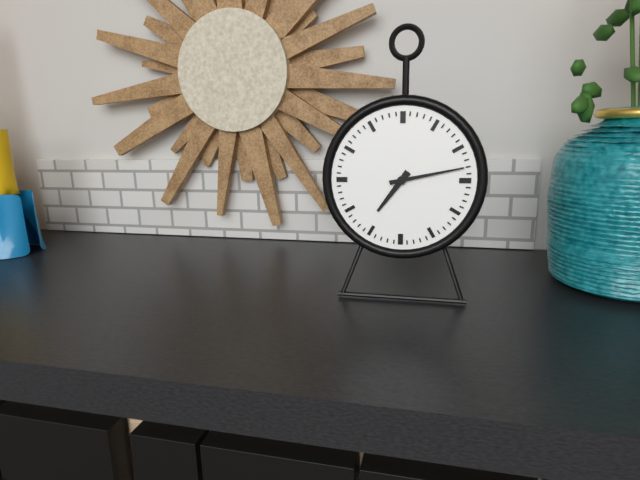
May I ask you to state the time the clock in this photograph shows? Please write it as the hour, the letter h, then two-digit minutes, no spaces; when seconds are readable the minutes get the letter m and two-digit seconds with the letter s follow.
7h13
